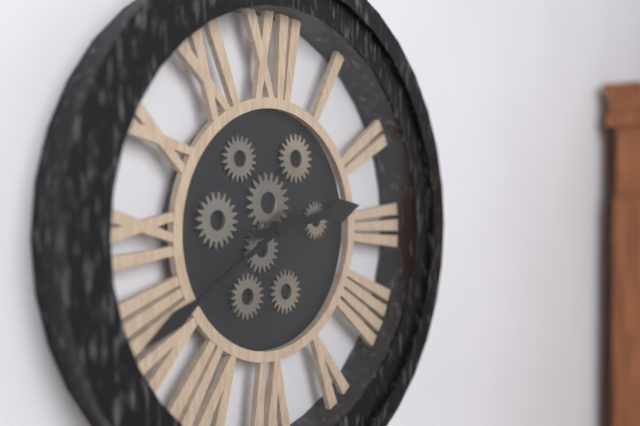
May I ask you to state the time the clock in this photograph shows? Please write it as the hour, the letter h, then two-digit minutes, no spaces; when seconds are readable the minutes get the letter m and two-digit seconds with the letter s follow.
2h40
